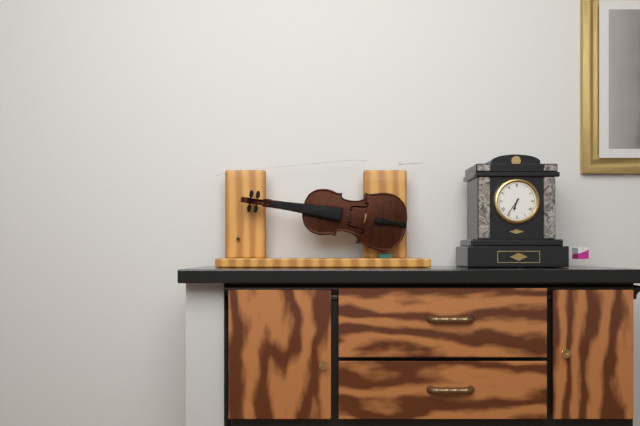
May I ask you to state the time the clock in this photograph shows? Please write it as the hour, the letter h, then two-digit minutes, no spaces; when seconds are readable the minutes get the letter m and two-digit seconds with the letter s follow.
6h36
